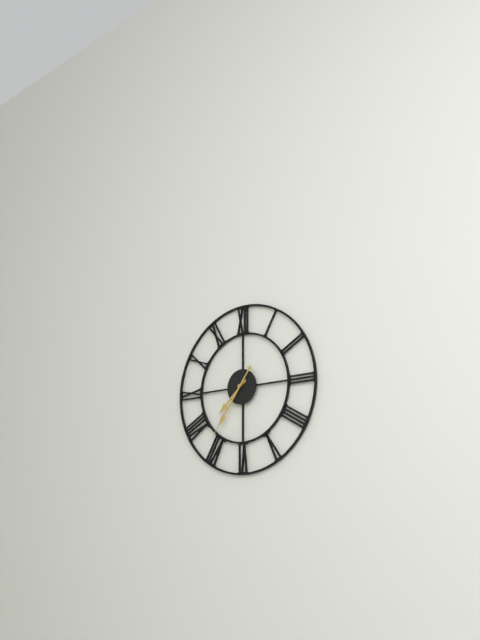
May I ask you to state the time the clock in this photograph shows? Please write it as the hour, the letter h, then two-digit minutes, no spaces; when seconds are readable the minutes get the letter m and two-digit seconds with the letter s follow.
7h36
